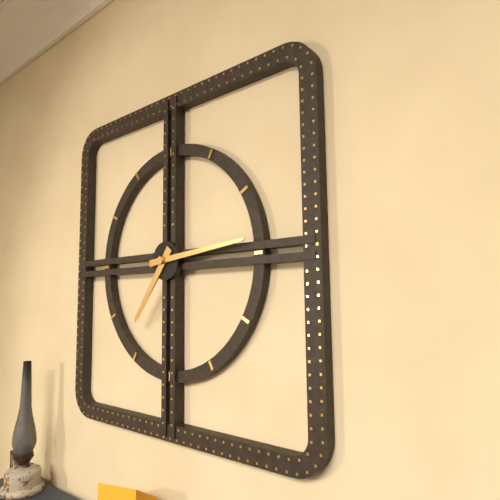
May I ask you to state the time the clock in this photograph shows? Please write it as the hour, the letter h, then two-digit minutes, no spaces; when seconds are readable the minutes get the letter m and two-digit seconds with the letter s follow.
7h14
